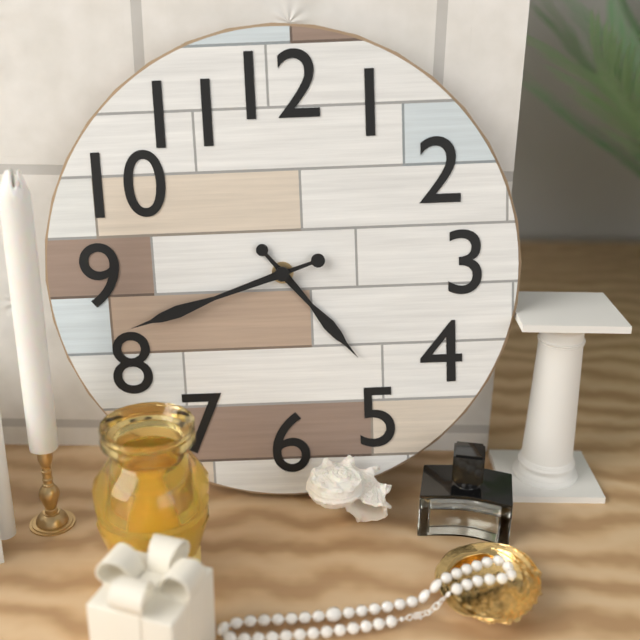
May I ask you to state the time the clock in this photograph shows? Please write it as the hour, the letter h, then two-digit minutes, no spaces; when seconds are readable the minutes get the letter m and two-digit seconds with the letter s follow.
4h42
